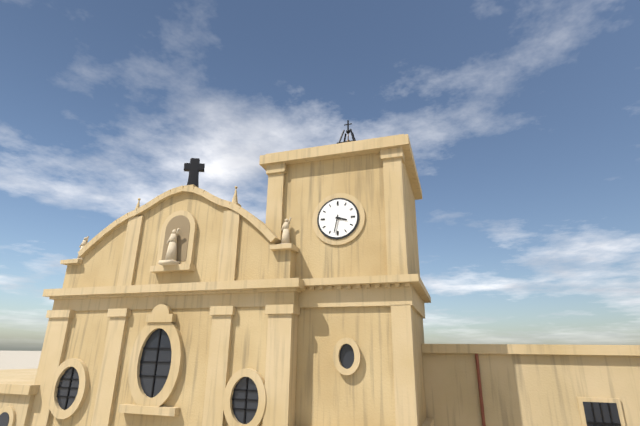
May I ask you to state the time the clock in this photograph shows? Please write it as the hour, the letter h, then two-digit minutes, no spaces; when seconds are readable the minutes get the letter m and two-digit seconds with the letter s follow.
3h32
